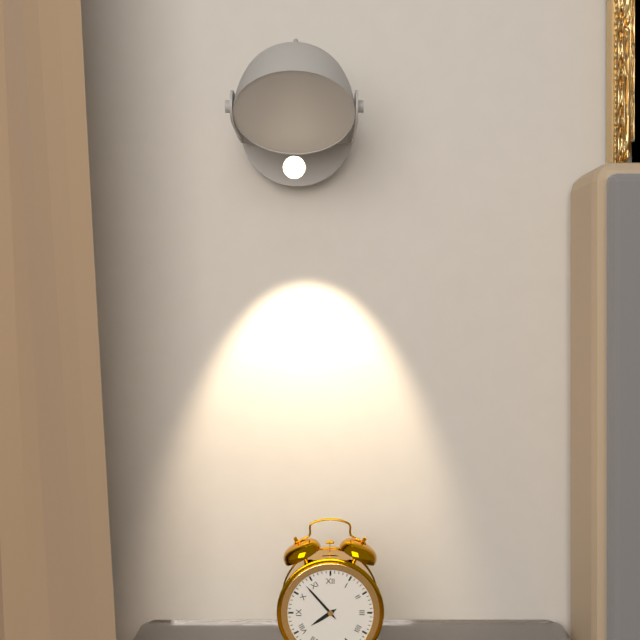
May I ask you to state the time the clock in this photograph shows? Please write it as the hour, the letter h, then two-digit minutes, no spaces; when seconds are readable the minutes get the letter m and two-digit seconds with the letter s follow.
7h53
